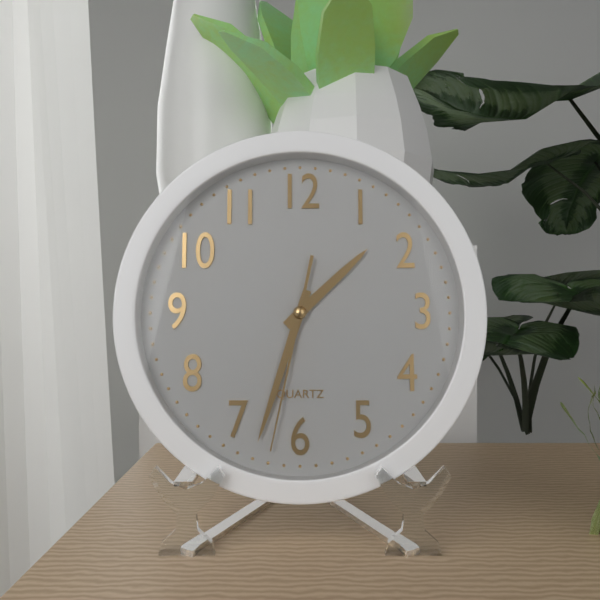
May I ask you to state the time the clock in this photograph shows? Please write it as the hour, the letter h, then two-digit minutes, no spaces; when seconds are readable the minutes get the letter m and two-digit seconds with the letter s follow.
1h33m32s
